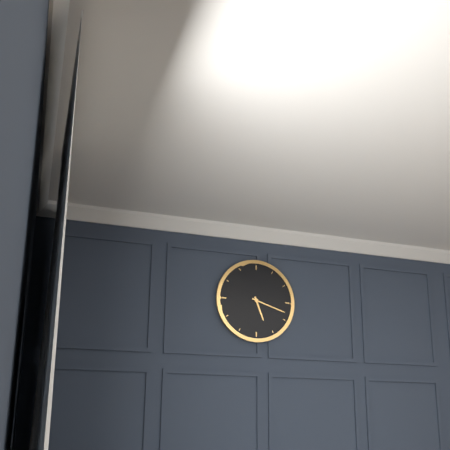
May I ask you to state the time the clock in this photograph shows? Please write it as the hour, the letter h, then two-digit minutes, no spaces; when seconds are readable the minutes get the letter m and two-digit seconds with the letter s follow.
5h18
